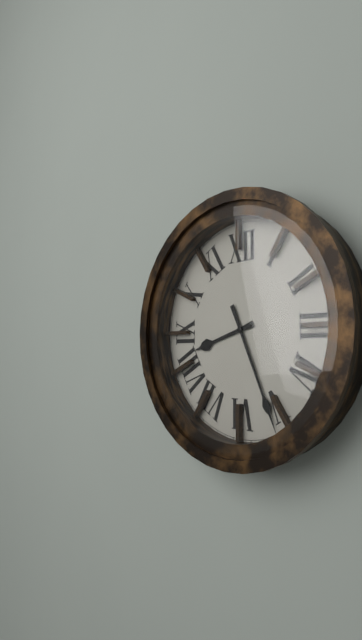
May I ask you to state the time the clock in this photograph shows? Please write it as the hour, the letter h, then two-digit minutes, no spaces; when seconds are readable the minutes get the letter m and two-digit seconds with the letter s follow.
8h26
